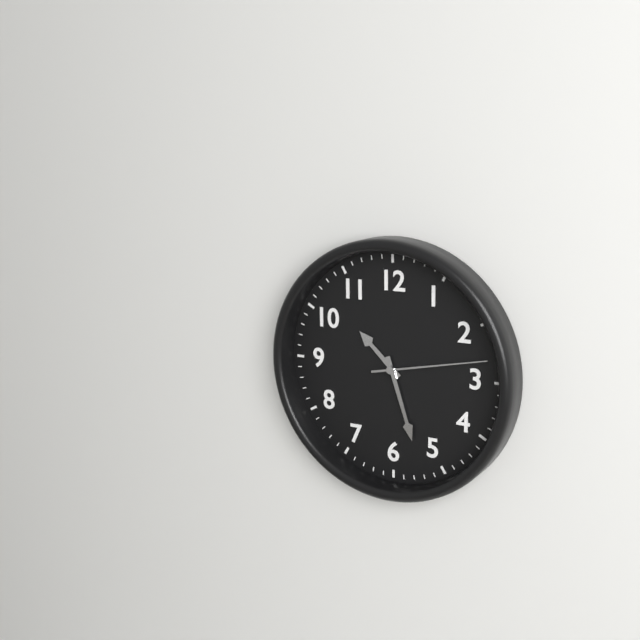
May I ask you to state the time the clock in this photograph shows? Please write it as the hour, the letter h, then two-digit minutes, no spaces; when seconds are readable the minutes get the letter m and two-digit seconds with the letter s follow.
10h27m13s
